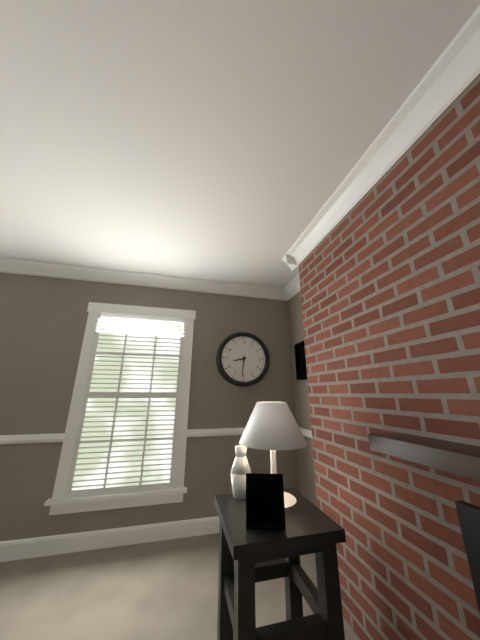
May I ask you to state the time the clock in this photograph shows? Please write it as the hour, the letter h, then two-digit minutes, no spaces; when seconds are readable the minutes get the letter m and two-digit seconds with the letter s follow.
8h31
